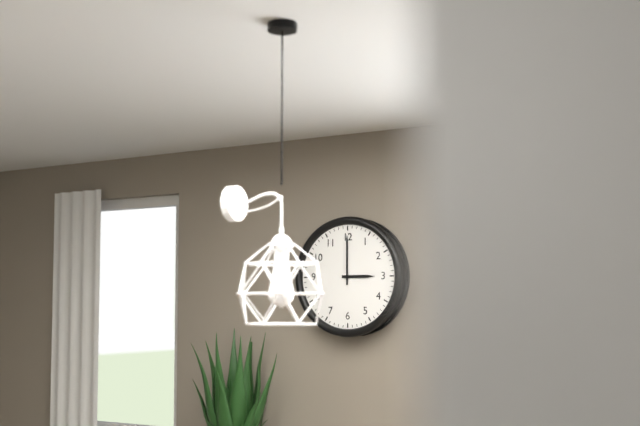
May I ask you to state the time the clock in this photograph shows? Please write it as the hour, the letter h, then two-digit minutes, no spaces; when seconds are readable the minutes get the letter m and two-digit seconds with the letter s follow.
3h00
